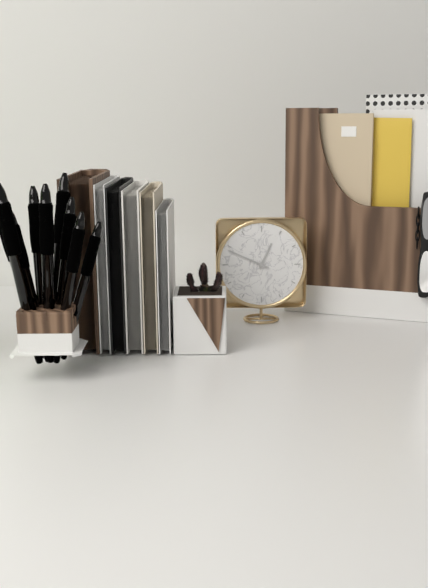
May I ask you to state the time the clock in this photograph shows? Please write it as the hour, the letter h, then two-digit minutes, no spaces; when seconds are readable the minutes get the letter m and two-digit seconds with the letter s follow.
12h49
